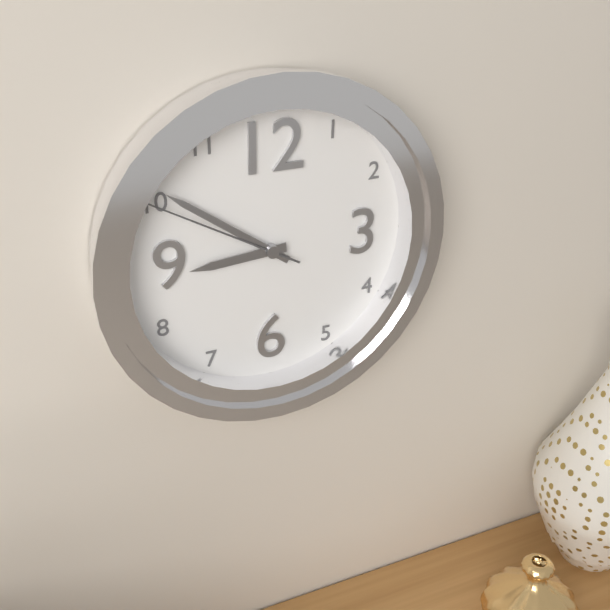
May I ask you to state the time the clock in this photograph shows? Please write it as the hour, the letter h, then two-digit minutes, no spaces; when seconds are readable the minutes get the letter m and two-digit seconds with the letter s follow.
8h51m50s
